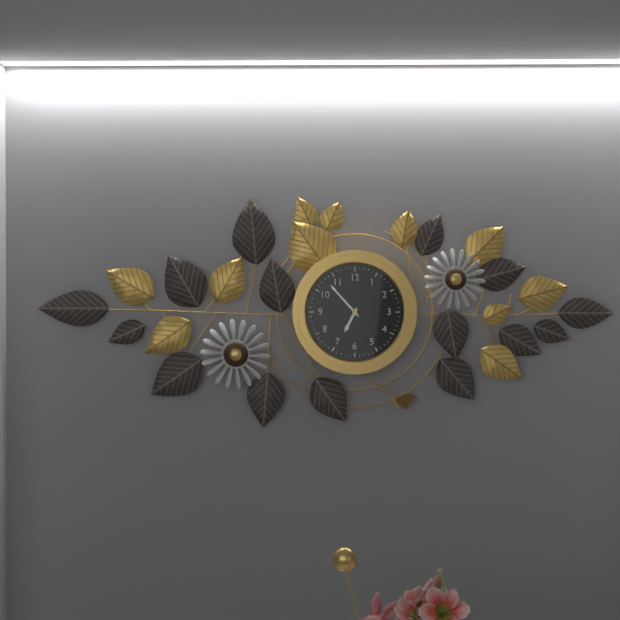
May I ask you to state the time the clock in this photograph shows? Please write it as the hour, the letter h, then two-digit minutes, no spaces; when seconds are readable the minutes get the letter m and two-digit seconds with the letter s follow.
6h53
